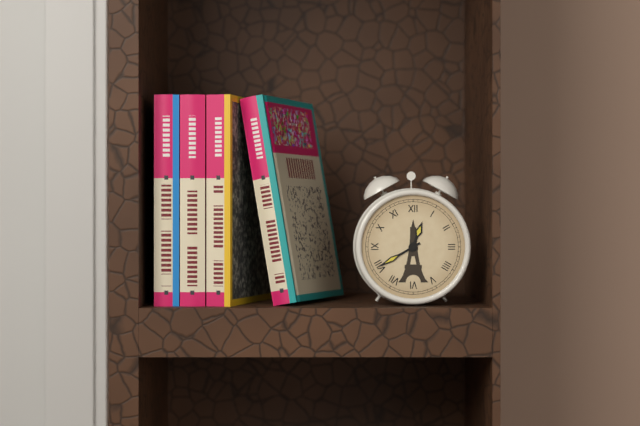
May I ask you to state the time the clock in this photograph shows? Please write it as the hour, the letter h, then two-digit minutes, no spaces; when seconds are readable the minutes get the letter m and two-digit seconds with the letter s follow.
12h40
